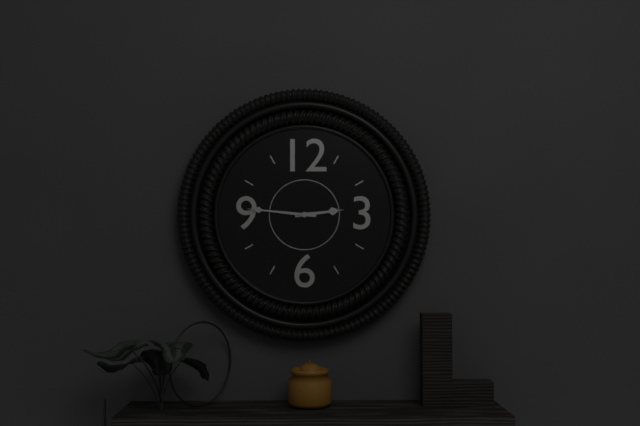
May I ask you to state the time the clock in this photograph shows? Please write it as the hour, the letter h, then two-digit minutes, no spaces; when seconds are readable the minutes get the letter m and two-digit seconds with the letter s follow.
2h46
